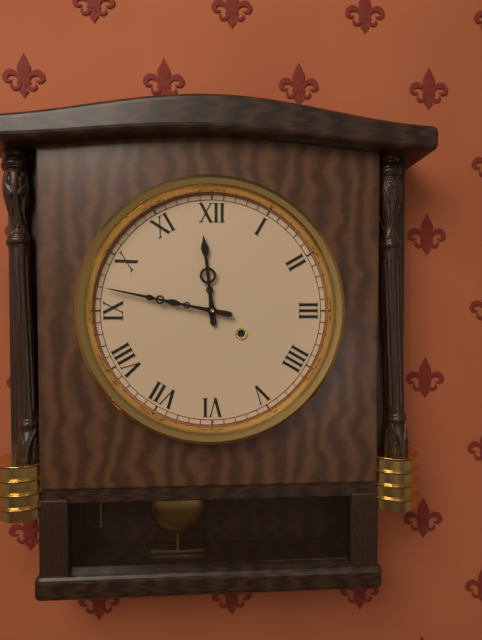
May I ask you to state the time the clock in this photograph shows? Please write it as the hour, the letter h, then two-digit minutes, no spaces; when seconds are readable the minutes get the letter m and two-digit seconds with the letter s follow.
11h47
